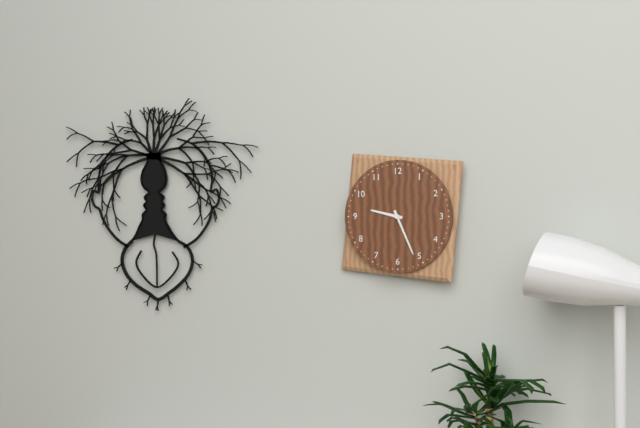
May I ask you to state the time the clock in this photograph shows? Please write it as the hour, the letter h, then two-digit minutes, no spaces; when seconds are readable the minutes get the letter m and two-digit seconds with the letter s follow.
9h26
